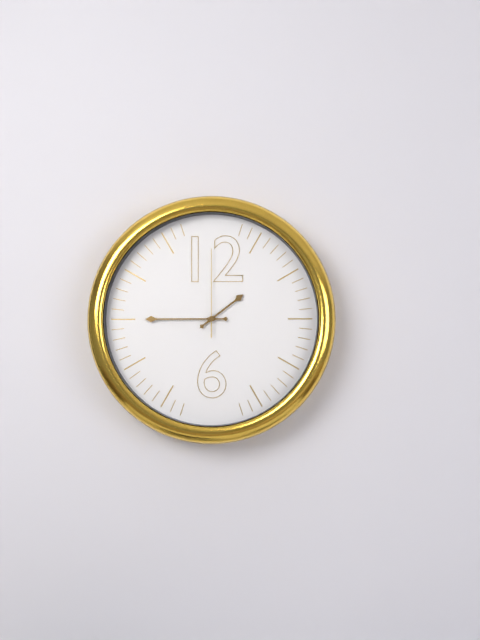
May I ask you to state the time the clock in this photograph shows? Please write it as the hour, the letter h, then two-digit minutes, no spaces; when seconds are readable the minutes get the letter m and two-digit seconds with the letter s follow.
1h45m00s
